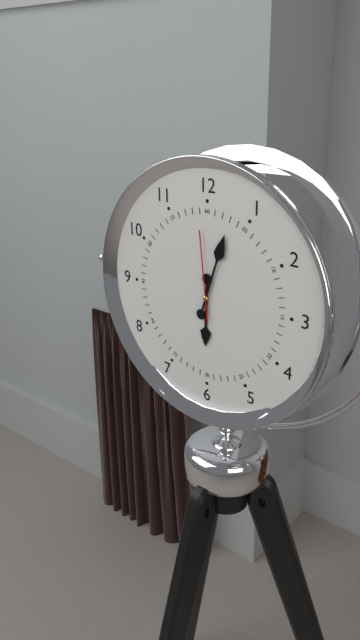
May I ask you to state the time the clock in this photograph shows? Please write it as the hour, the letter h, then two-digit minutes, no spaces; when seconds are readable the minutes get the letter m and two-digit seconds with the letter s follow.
6h03m59s
